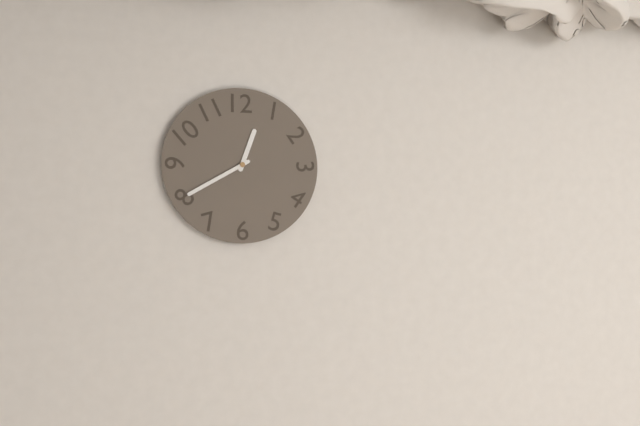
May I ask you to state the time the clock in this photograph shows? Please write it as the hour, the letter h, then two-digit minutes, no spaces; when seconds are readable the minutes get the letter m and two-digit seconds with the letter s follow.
12h40
